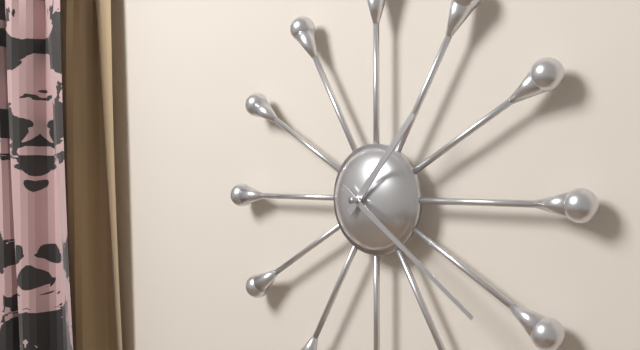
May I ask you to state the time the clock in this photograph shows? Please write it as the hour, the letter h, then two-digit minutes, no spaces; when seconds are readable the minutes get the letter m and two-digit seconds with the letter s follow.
1h21
